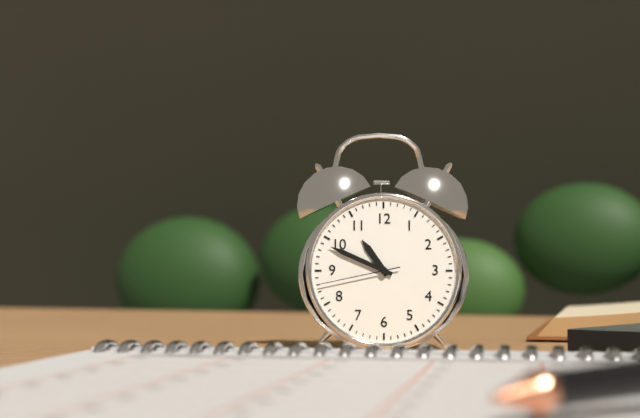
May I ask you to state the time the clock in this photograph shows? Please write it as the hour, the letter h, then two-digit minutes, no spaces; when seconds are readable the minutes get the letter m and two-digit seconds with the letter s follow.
10h49m43s
